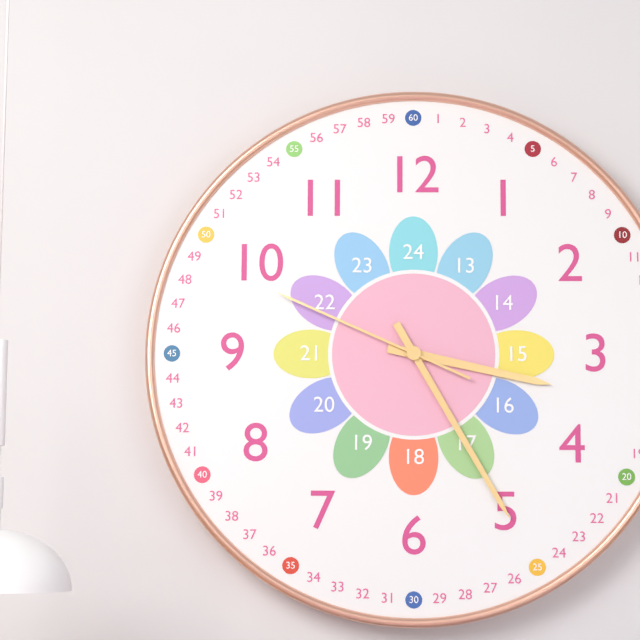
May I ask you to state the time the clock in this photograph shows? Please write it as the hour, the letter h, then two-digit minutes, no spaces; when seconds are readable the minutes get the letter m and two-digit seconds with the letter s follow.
3h25m49s
